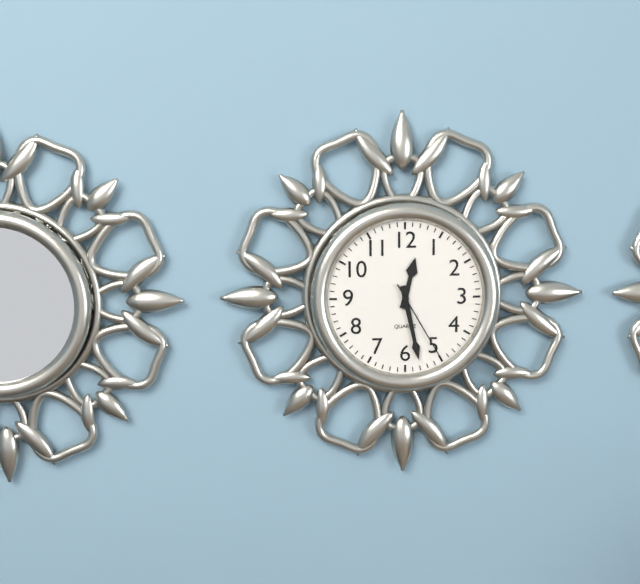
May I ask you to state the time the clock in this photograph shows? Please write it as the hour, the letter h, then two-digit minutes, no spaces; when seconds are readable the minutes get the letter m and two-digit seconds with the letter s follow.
12h28m25s
